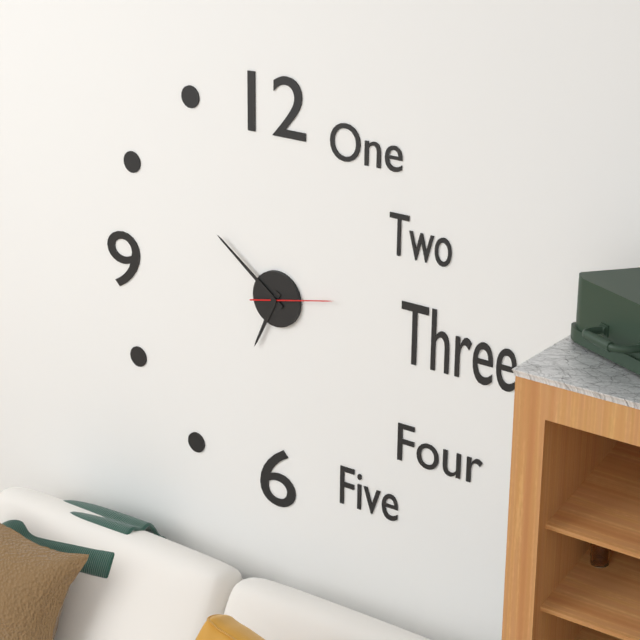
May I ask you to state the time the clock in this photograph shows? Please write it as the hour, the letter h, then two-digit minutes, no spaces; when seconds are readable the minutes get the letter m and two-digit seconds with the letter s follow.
6h51m13s
